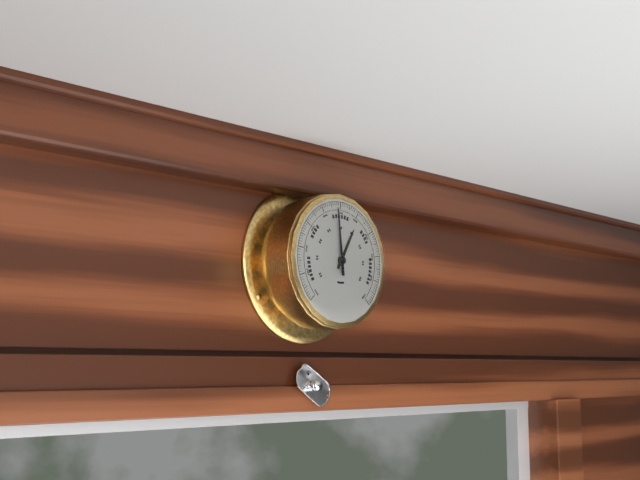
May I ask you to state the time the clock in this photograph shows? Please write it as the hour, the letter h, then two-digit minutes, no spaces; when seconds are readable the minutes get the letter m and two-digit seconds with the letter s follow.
12h59
